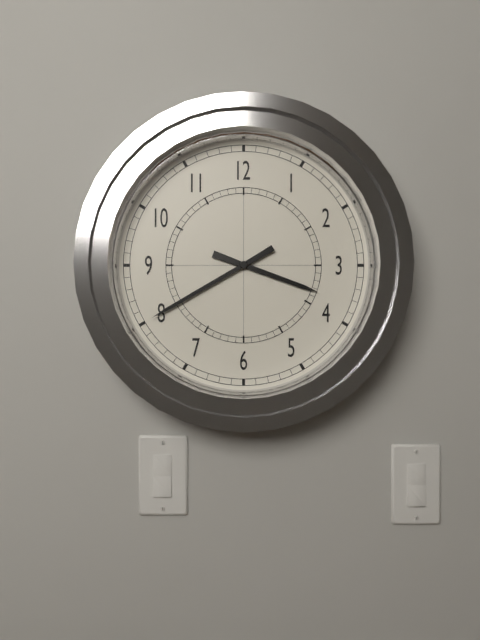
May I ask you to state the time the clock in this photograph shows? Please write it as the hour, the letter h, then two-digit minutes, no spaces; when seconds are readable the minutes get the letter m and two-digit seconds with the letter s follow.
3h40
